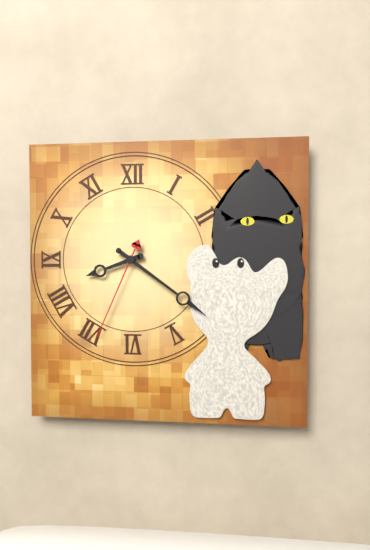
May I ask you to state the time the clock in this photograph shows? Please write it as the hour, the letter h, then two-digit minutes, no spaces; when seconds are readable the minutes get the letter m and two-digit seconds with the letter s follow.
8h21m34s
